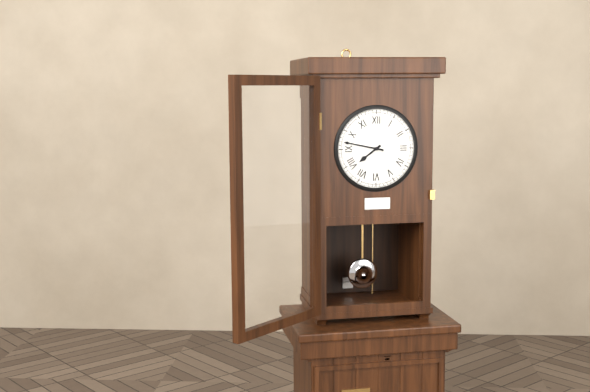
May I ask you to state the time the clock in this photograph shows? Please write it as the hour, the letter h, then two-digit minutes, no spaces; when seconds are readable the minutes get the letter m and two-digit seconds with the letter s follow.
7h47
